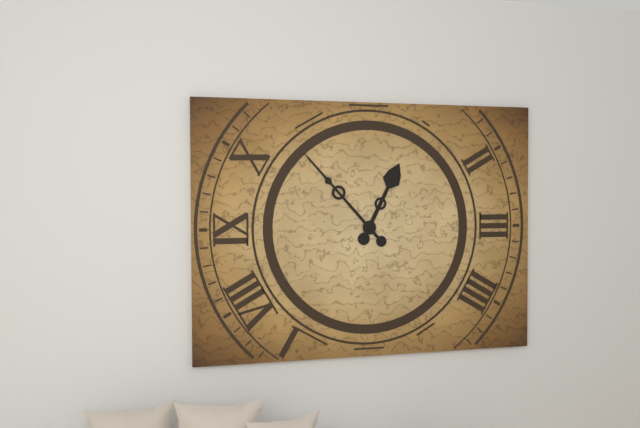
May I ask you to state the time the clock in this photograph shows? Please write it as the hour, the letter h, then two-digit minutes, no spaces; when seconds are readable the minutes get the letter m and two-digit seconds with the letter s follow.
12h53
